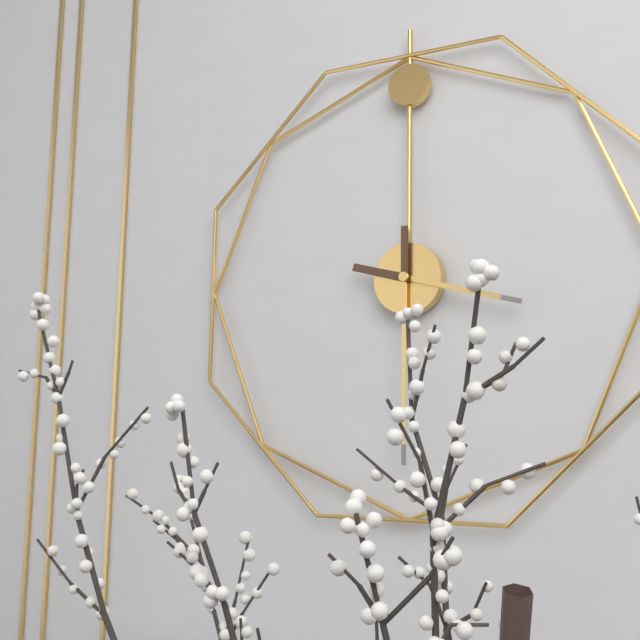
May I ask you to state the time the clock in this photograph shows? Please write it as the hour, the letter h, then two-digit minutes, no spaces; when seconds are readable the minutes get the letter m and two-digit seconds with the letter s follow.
3h30
